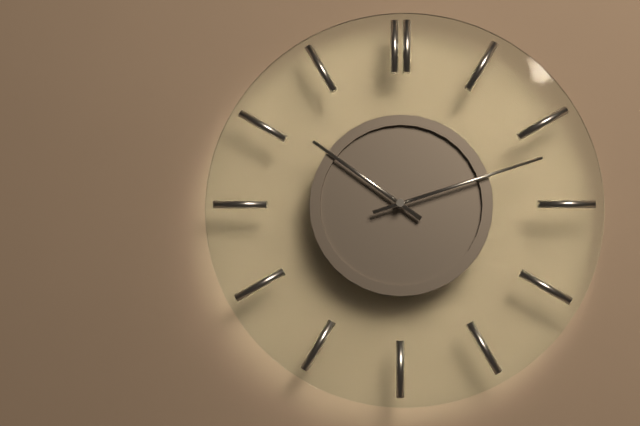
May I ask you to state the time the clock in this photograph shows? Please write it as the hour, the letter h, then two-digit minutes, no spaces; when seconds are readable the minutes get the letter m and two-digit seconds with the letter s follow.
10h12
